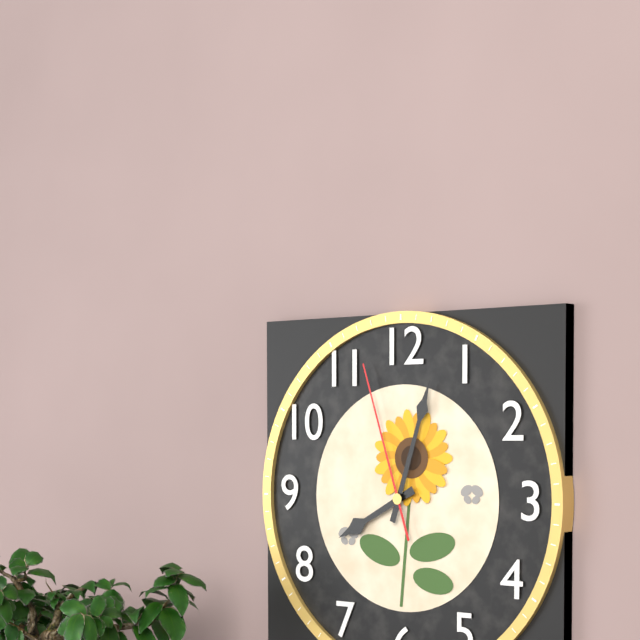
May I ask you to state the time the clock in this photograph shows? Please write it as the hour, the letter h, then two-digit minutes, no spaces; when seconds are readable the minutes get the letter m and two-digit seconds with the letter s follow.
8h03m57s
